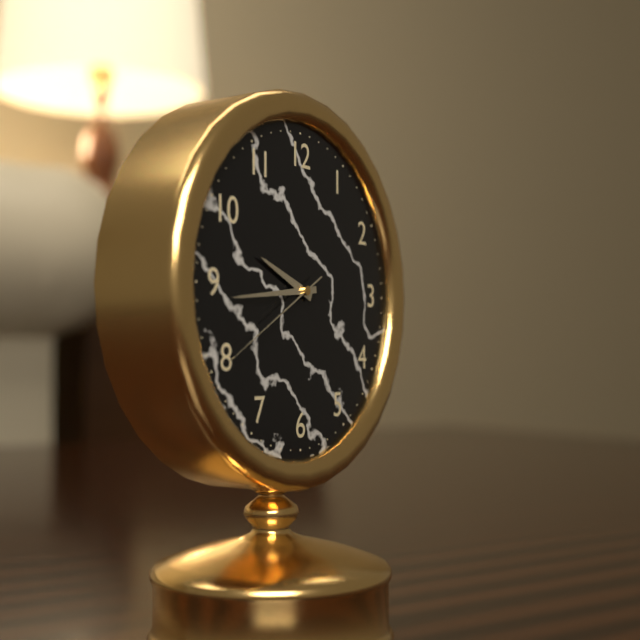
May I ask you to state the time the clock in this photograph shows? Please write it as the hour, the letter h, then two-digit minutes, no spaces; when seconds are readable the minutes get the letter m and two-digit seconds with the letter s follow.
9h44m40s
